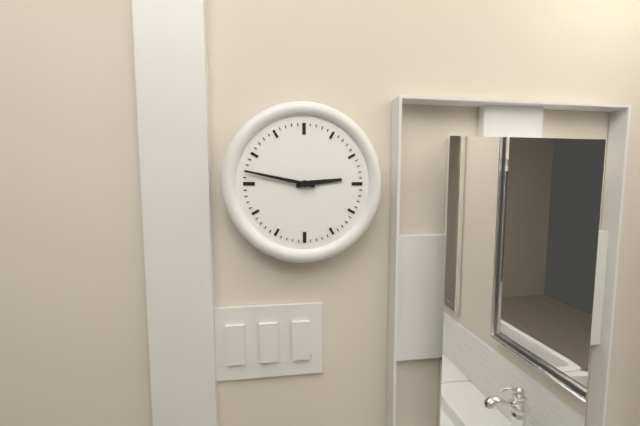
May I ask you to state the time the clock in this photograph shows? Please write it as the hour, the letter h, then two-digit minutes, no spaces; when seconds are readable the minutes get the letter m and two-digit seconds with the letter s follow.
2h47
